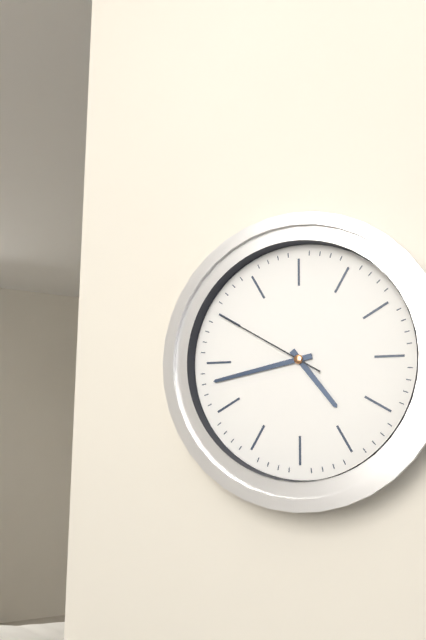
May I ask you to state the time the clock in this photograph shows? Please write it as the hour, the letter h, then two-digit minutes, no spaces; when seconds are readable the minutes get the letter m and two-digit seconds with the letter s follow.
4h43m50s
